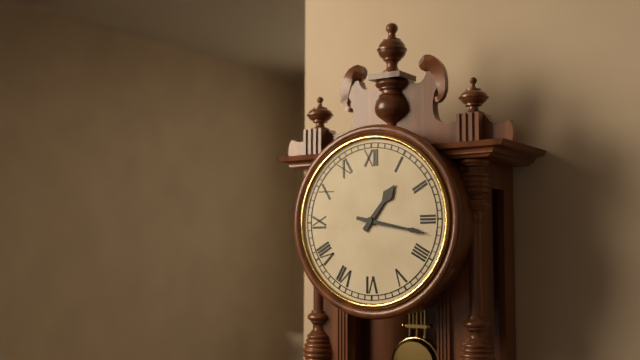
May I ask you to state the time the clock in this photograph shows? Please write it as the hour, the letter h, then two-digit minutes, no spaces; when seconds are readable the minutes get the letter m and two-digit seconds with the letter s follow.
1h17
